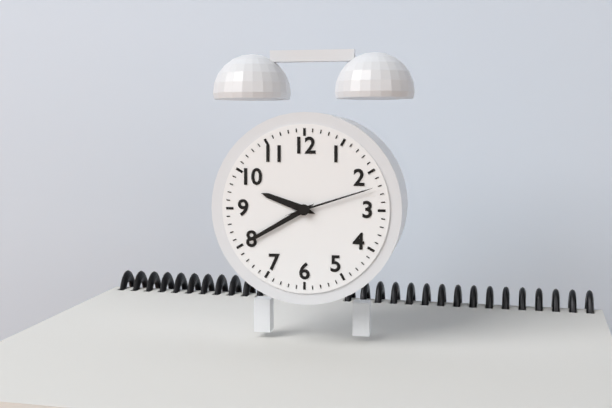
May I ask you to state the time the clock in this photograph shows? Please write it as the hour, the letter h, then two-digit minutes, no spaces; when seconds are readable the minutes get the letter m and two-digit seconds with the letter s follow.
9h40m12s
